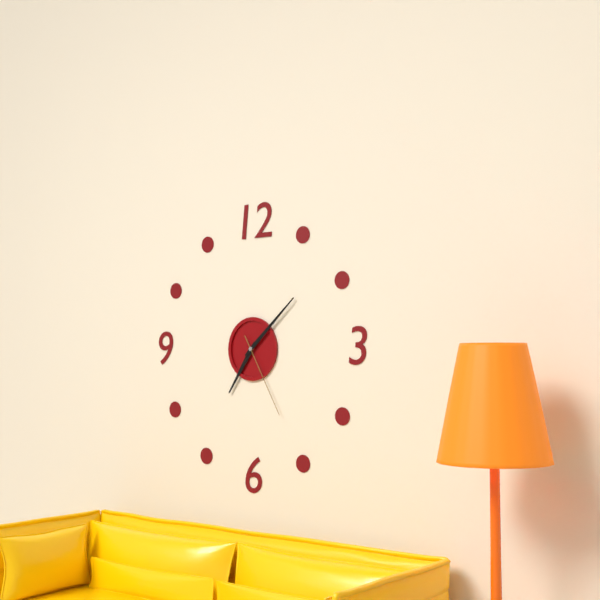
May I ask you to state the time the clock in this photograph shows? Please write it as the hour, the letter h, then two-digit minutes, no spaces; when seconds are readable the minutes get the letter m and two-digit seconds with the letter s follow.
7h08m25s
